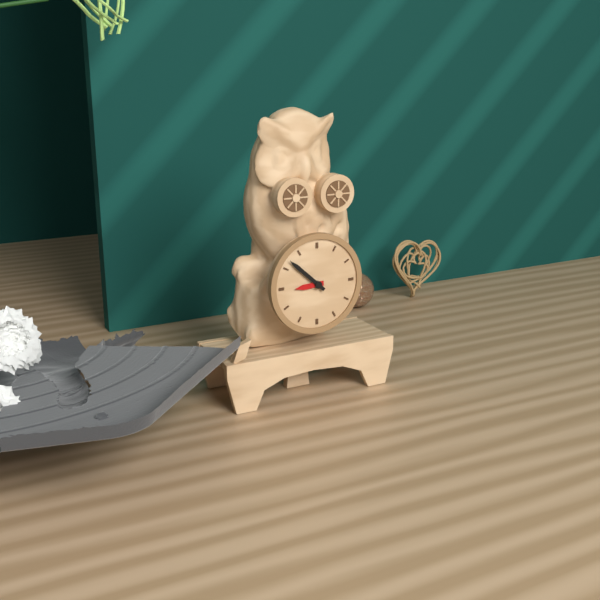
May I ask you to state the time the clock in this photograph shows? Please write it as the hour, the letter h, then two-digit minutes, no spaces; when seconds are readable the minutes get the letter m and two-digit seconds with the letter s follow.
8h52
